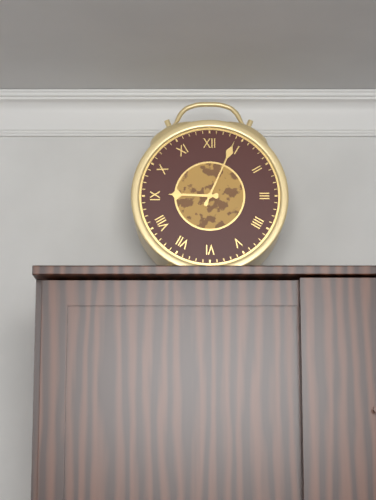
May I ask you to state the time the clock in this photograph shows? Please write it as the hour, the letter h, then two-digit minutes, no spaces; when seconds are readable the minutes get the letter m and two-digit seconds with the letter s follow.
9h04
